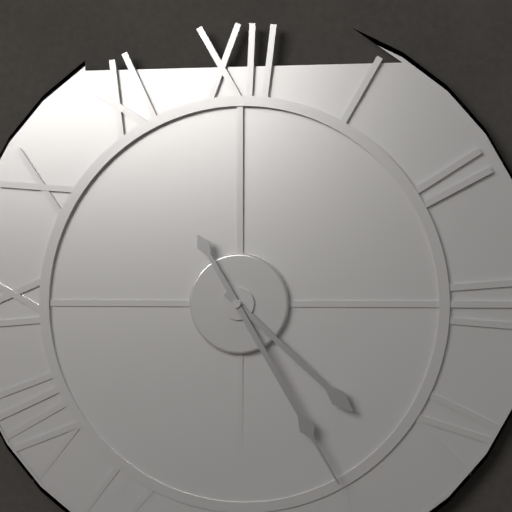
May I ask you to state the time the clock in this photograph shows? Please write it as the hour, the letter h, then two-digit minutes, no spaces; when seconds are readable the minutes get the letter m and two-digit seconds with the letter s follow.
4h25
